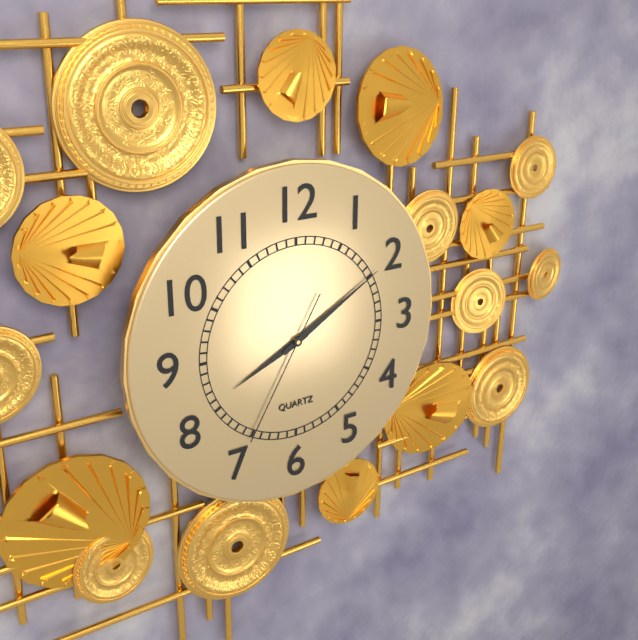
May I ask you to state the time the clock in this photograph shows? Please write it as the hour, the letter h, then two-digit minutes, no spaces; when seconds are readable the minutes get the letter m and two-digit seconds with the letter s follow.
8h10m35s
